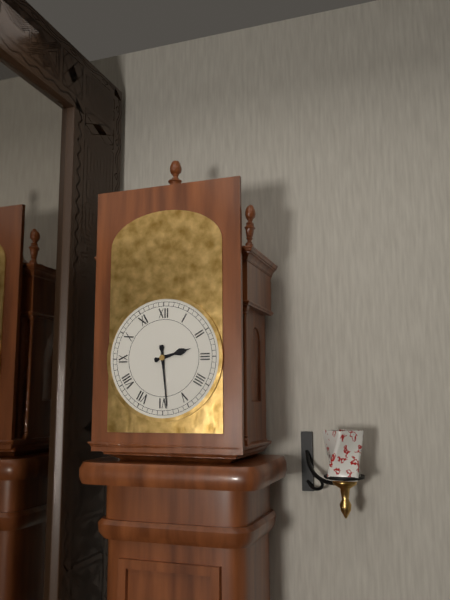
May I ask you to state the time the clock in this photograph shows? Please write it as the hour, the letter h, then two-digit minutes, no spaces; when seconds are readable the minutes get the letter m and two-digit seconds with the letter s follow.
2h29
